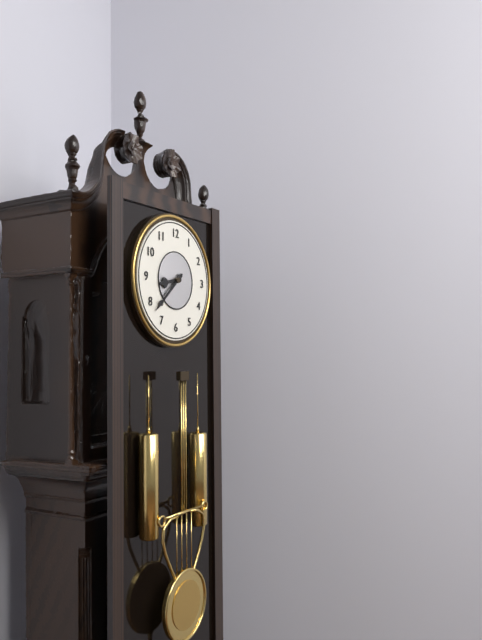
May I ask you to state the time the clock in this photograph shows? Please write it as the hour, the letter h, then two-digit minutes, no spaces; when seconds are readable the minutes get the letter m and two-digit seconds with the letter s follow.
8h38
